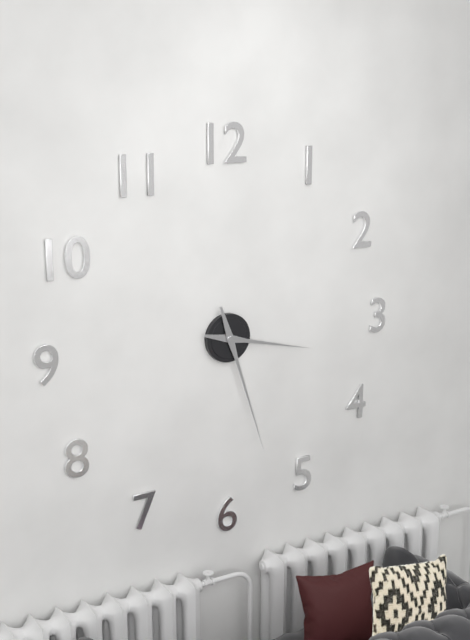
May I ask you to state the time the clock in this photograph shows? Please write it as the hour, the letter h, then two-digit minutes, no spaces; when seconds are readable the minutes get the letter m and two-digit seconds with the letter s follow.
3h27
